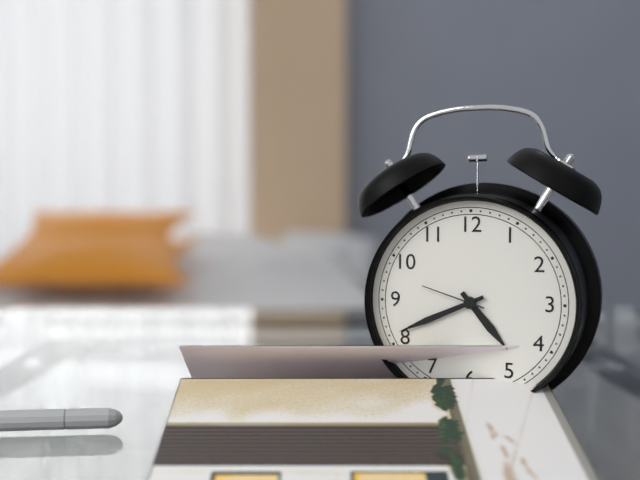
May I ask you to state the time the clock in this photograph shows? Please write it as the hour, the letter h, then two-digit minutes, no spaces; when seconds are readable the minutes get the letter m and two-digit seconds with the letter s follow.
4h41m48s
